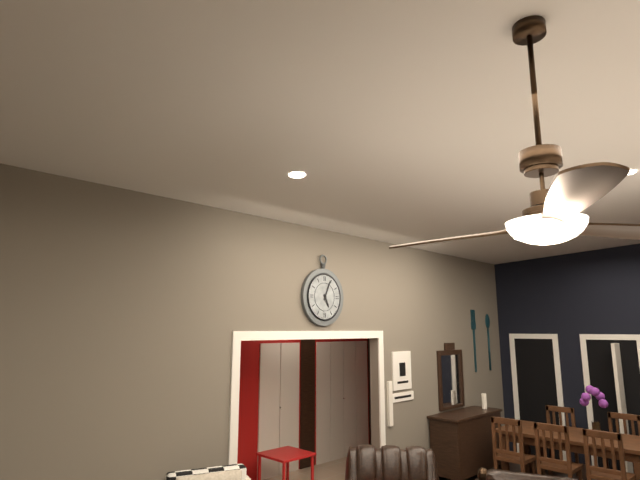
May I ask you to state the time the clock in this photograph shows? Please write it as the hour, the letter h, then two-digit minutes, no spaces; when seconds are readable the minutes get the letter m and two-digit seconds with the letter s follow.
5h04
